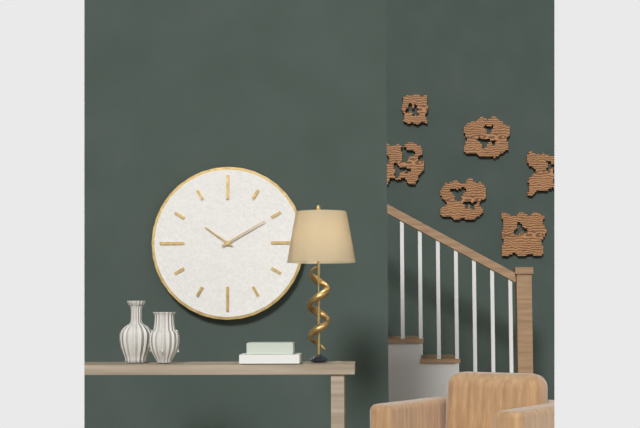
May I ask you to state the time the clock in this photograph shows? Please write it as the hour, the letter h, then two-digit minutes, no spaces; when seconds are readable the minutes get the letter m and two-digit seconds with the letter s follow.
10h10
